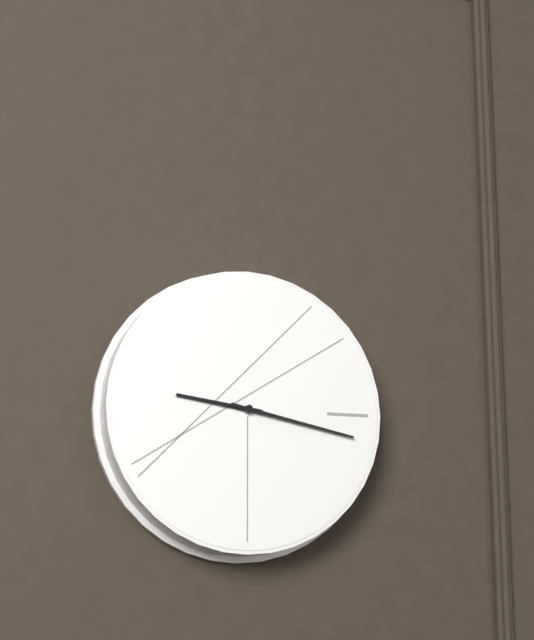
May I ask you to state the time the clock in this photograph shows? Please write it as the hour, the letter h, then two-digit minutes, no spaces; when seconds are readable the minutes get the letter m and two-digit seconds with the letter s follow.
9h17
